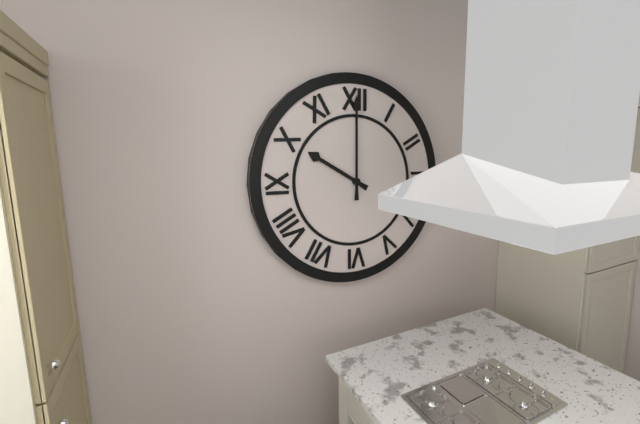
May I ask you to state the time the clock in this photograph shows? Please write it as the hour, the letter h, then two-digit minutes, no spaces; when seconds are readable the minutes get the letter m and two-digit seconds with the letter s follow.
10h00
